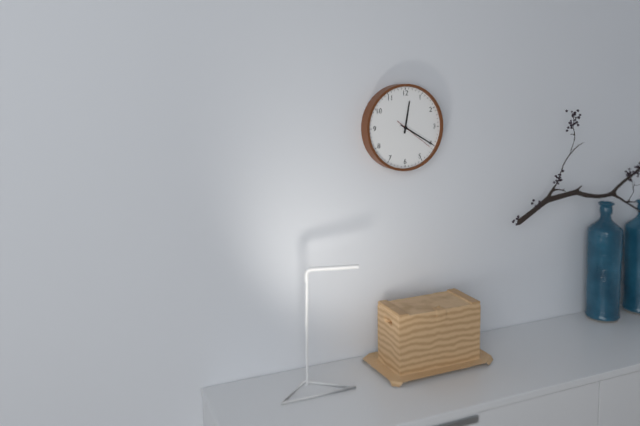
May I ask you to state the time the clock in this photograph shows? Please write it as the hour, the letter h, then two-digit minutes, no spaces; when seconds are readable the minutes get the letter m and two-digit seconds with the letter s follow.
12h20
